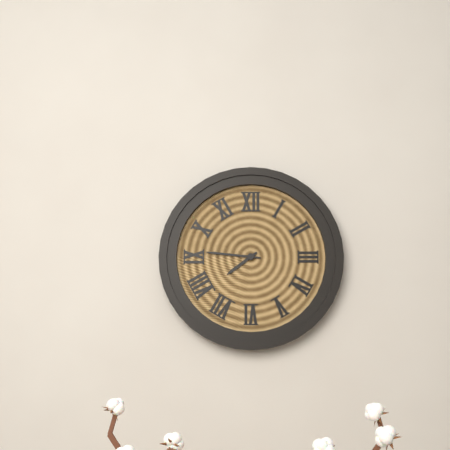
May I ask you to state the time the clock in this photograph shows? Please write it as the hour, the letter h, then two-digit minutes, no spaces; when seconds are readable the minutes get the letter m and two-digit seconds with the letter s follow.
7h46
